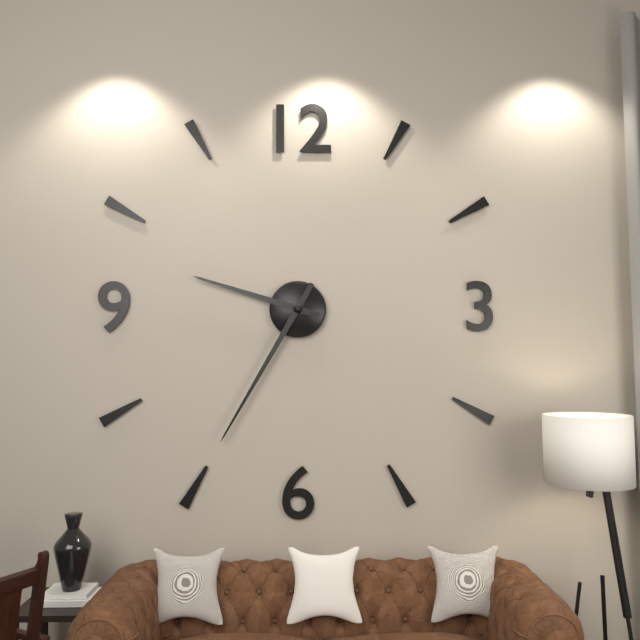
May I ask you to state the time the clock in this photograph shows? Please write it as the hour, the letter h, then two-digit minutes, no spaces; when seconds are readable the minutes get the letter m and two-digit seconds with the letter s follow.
9h35
